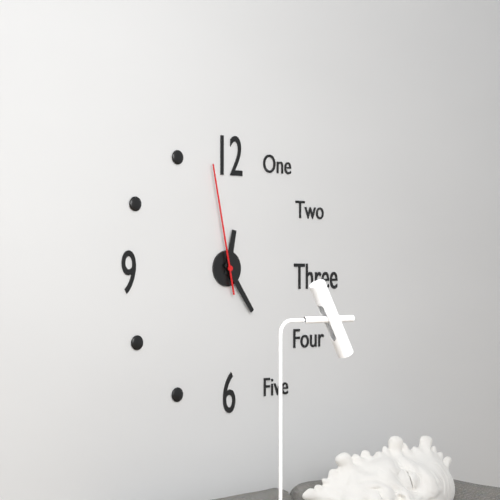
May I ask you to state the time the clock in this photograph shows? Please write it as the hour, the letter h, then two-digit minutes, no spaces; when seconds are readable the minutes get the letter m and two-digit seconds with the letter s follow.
12h24m58s
